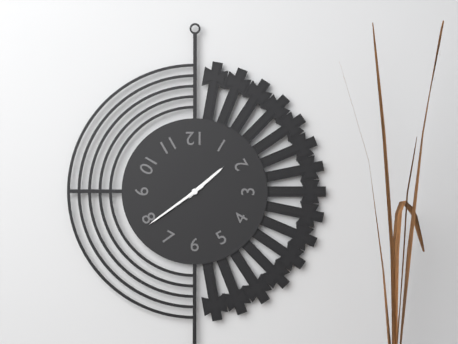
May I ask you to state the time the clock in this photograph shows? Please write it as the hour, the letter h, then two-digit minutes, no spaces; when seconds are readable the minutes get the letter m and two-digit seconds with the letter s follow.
1h39
